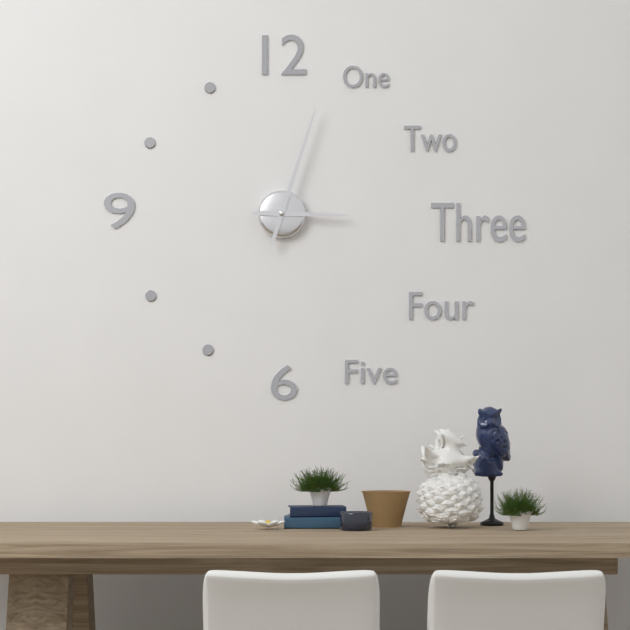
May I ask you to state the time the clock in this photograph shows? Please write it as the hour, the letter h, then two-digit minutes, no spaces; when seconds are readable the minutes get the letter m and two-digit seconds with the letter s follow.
3h03
